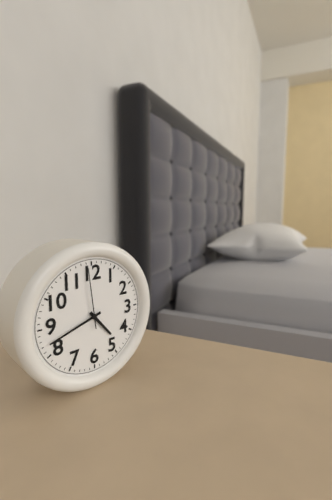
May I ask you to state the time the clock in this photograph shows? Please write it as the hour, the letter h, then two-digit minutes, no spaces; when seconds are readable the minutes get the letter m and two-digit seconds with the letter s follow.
4h42m59s
